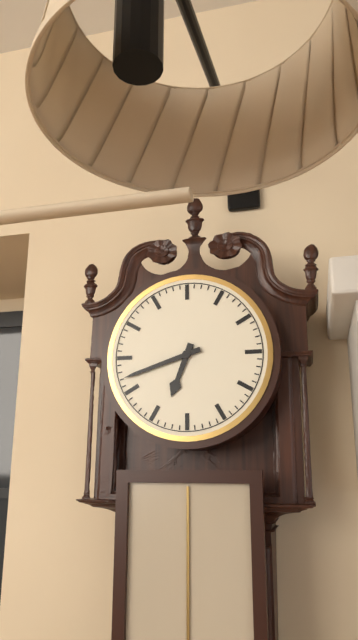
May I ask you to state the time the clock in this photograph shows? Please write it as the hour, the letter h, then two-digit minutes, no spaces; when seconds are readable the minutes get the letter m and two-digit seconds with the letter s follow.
6h42
